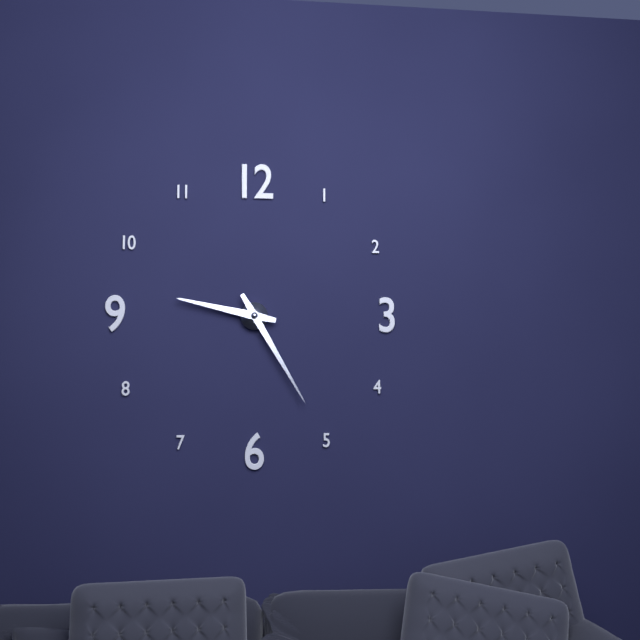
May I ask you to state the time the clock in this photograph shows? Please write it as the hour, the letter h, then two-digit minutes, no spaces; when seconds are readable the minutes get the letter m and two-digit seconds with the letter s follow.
9h25
